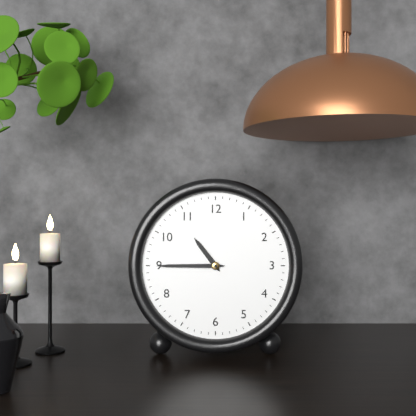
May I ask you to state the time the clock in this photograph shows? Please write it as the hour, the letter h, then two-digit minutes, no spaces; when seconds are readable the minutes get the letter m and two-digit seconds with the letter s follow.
10h45
